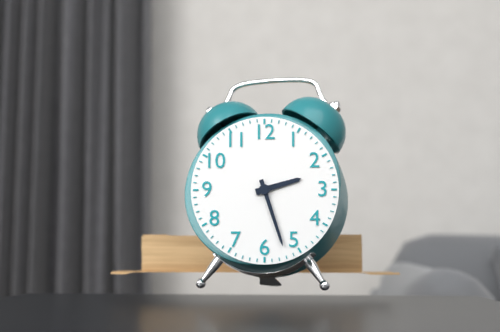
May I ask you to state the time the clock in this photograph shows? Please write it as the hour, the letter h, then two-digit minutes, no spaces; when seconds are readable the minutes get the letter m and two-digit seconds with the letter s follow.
2h27
